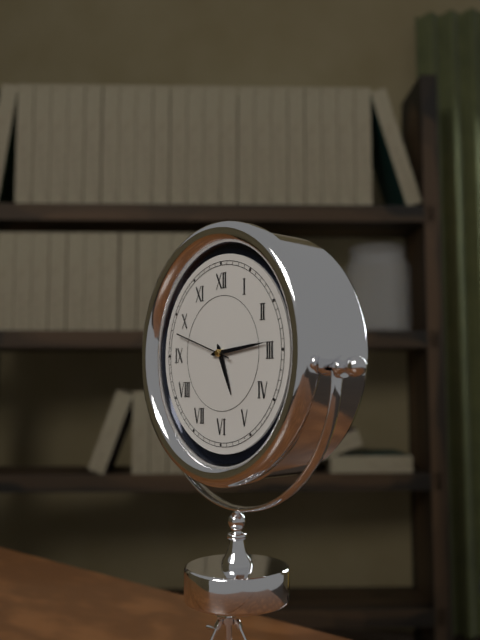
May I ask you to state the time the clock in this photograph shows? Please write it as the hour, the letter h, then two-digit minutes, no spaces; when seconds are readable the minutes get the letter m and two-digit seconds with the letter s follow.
5h14m48s
